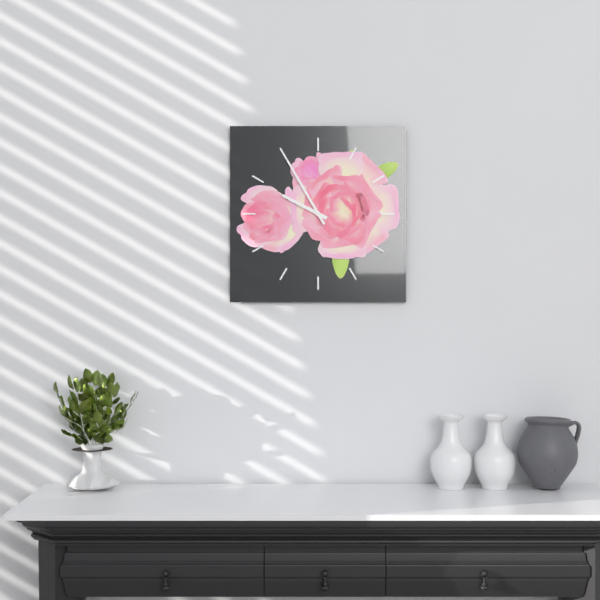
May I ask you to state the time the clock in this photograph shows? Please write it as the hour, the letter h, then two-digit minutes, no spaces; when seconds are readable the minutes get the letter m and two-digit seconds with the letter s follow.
9h55
